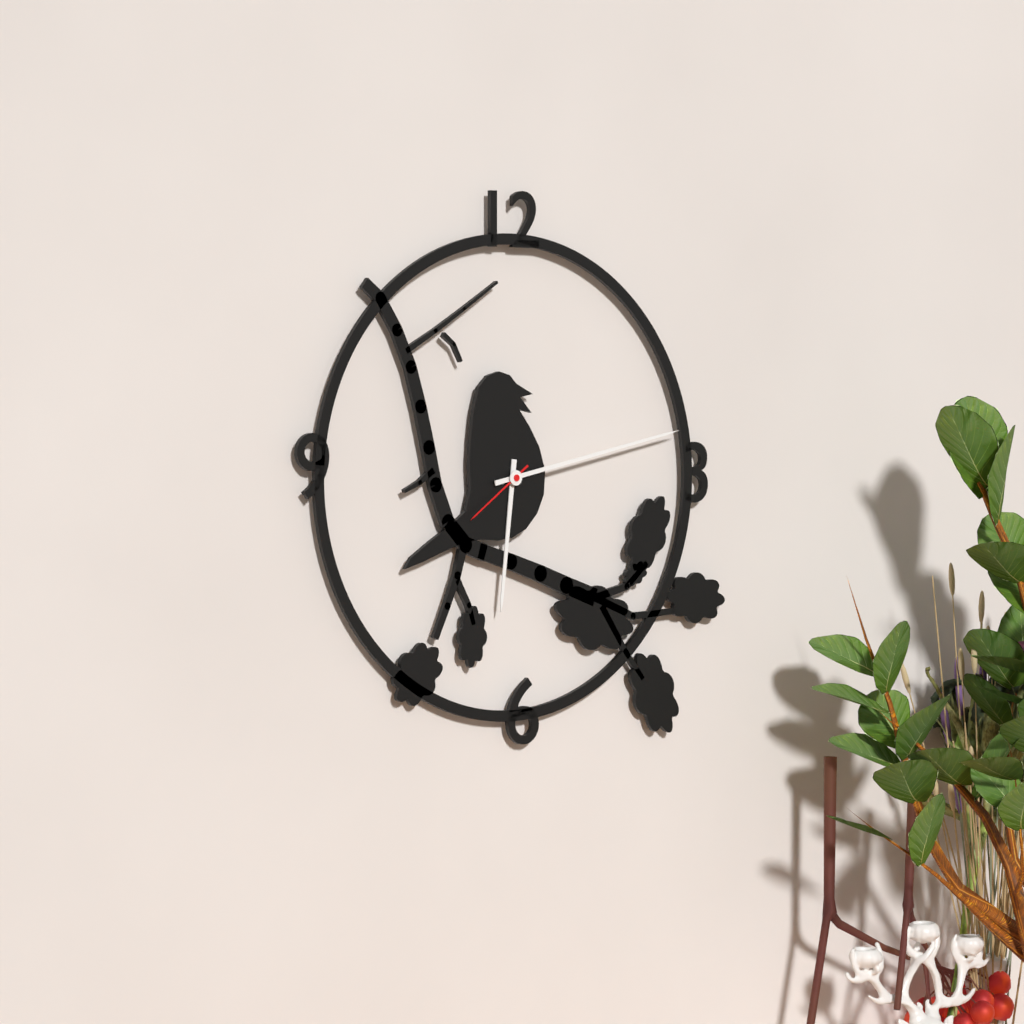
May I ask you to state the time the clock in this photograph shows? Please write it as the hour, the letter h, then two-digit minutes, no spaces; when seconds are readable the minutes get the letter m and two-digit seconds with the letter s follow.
6h13m39s
